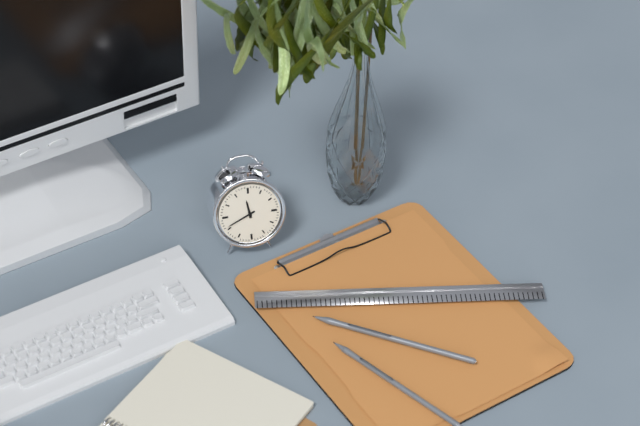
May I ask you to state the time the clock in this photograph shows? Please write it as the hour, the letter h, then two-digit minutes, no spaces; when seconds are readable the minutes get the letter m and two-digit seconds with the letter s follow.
11h41
